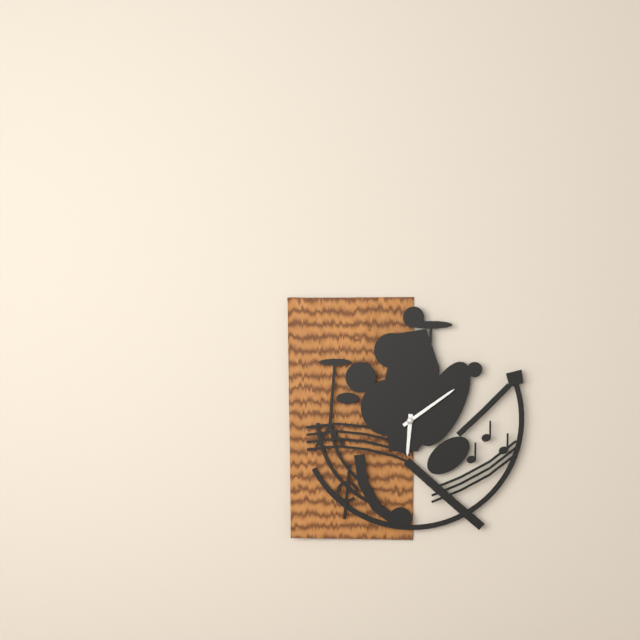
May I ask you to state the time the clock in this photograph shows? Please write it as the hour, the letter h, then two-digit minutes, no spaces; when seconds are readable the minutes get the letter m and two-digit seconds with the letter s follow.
6h09
